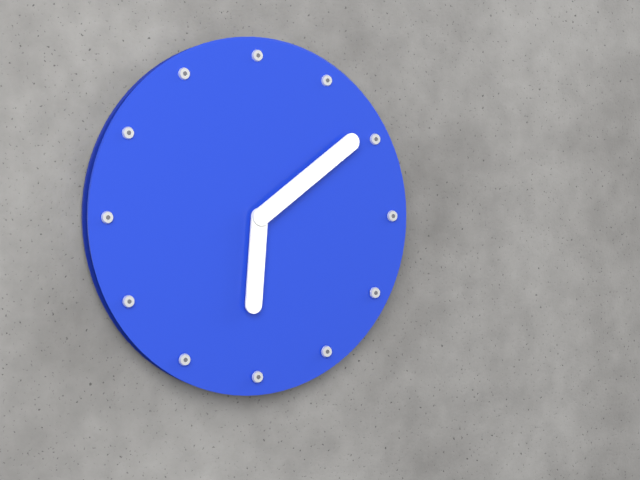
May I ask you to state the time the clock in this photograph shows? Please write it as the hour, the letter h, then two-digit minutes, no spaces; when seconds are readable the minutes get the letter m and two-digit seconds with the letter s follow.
6h09
